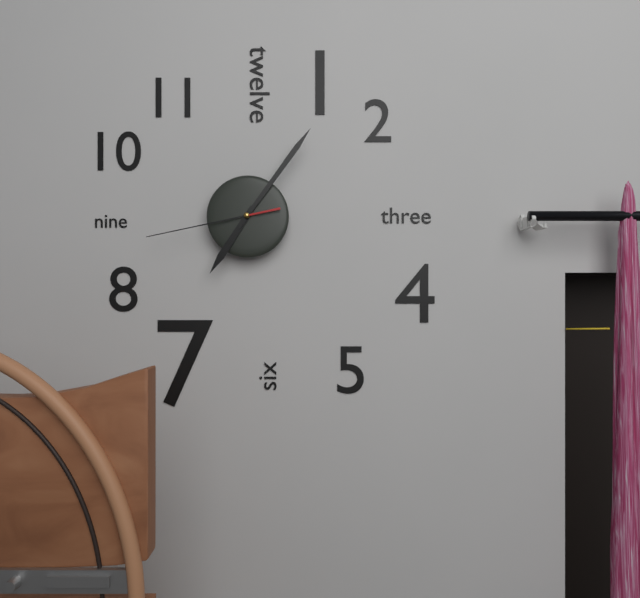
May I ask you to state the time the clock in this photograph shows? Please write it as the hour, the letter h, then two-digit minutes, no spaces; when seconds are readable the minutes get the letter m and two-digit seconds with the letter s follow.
7h06m43s
